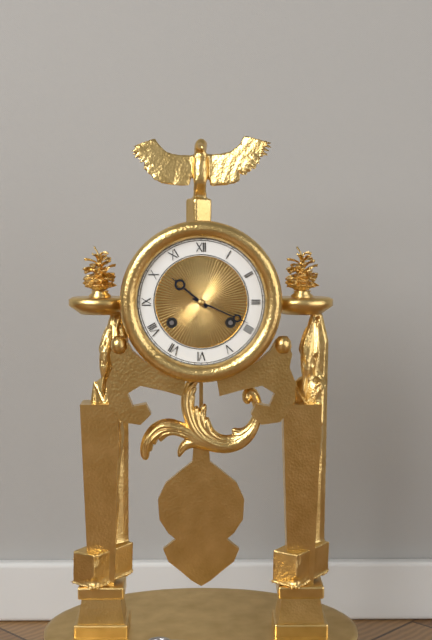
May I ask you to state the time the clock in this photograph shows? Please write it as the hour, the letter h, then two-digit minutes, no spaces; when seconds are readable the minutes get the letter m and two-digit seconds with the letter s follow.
10h19
